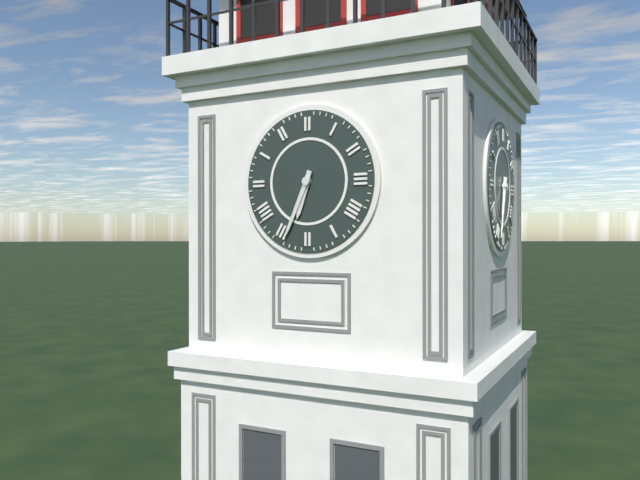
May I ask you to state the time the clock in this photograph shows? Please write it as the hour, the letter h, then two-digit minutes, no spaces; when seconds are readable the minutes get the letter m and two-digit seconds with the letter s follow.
6h34
